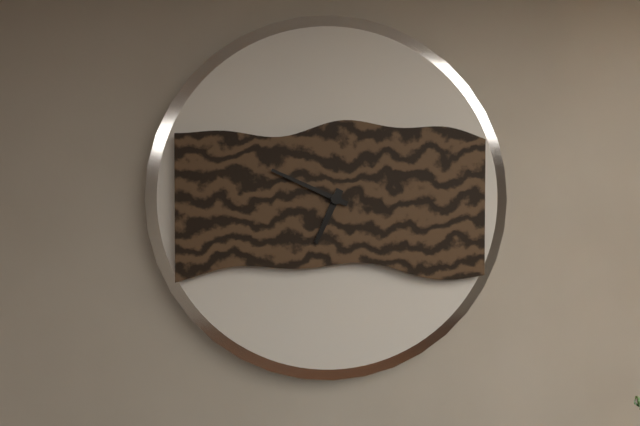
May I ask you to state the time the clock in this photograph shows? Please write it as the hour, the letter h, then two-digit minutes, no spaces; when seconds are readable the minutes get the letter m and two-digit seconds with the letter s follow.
6h49
